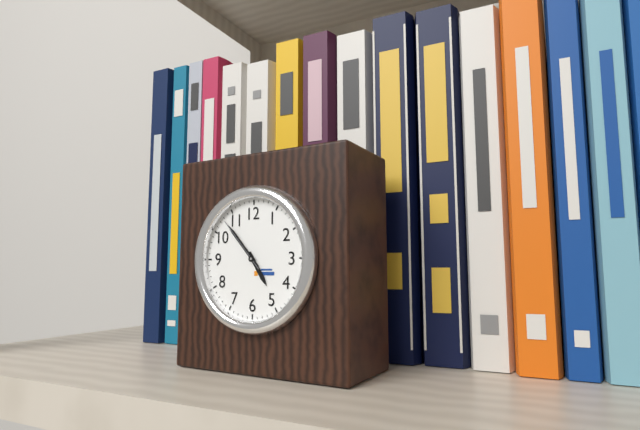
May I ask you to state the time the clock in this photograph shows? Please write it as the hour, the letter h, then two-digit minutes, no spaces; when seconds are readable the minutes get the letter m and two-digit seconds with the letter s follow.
4h53m53s
